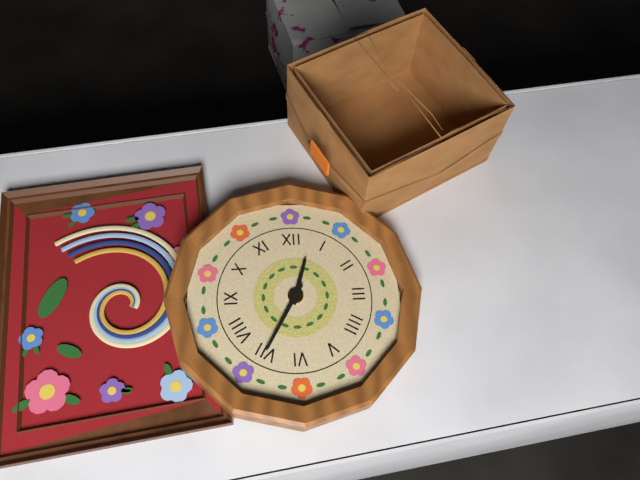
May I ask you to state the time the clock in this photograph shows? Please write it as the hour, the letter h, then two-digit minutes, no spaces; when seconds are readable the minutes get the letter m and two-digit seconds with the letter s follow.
12h35
